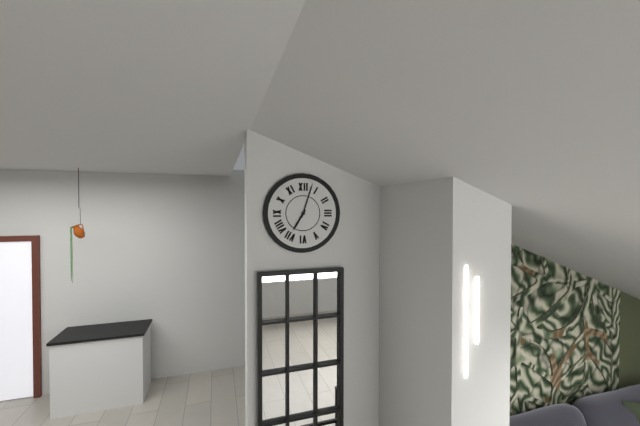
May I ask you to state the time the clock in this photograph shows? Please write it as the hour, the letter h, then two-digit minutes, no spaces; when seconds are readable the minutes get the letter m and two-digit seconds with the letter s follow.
7h03
